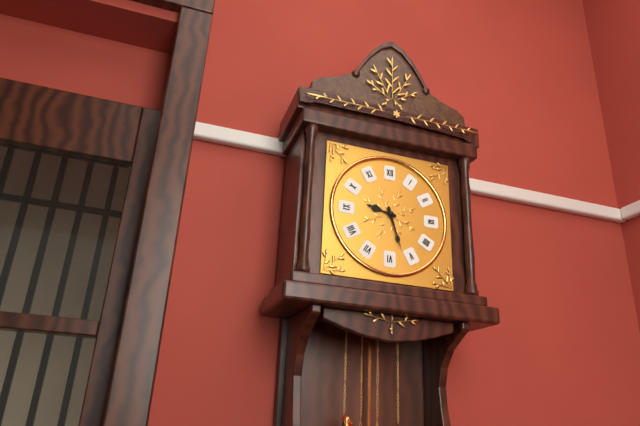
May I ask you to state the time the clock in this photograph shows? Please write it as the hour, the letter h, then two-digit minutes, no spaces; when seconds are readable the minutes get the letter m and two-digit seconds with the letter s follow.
9h27
